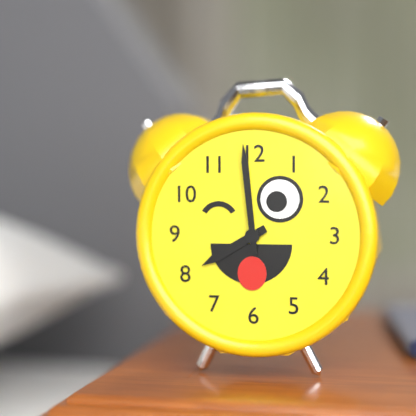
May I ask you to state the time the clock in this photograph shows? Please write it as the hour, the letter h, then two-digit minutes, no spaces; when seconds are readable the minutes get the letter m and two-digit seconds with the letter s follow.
7h59
